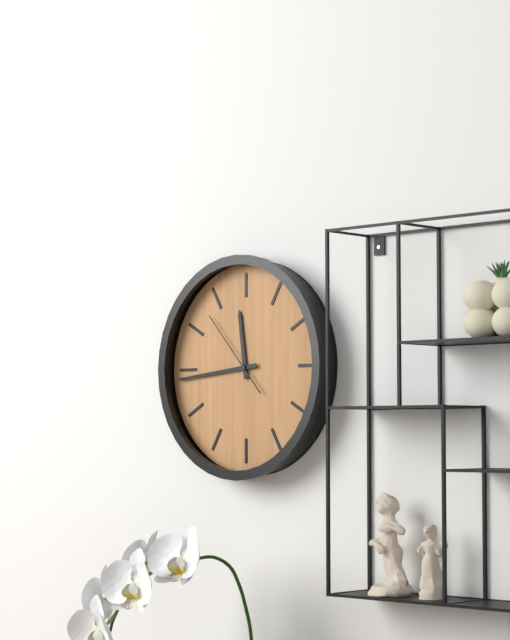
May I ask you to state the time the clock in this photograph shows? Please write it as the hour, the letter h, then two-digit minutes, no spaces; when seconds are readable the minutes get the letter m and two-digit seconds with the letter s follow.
11h44m53s
